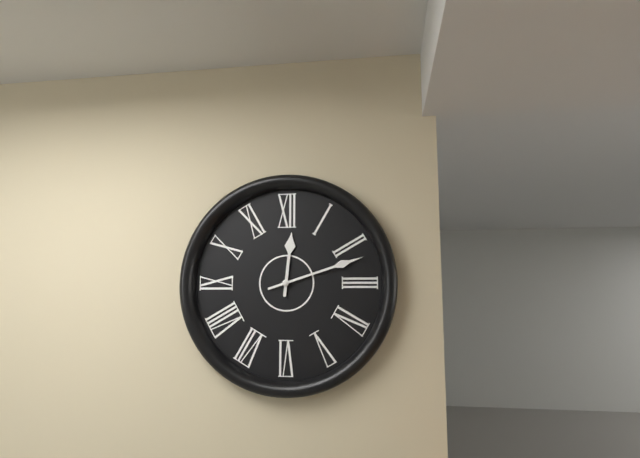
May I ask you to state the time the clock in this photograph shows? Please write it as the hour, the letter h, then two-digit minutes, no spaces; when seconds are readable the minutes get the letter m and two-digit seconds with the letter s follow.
12h12
